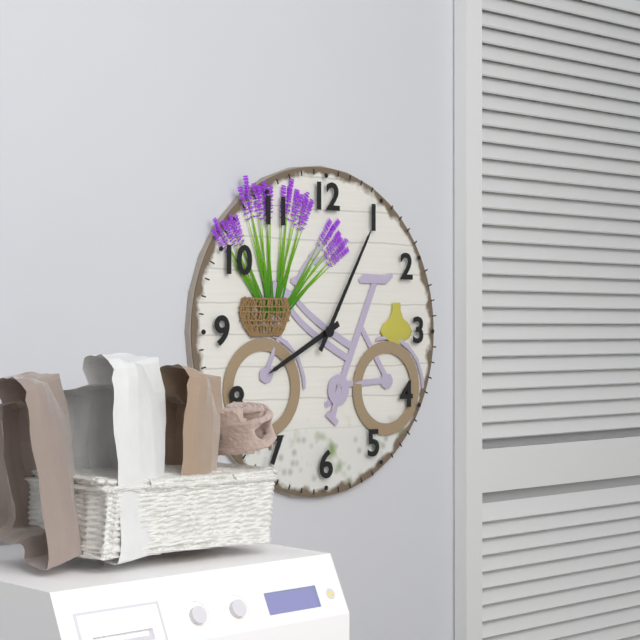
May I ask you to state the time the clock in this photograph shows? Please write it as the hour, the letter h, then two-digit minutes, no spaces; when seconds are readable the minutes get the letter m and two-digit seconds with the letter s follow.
8h05
